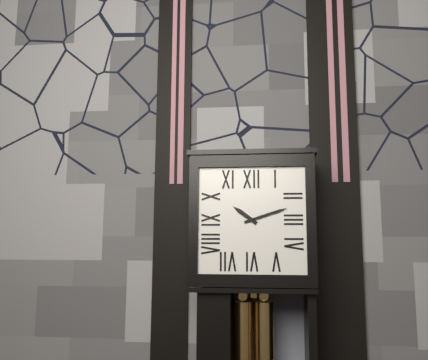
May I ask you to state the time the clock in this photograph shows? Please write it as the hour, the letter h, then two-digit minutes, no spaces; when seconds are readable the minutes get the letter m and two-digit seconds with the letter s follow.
10h12
